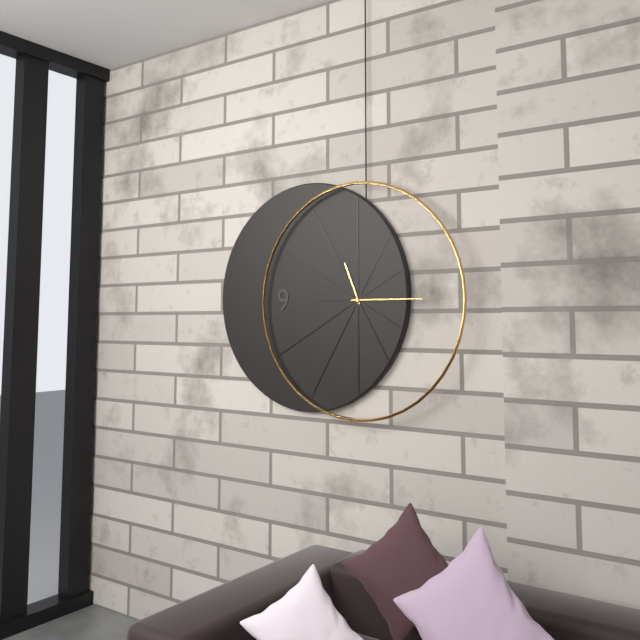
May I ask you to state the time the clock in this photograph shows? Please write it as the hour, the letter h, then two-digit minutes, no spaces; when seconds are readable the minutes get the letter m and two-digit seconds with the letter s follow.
11h15
